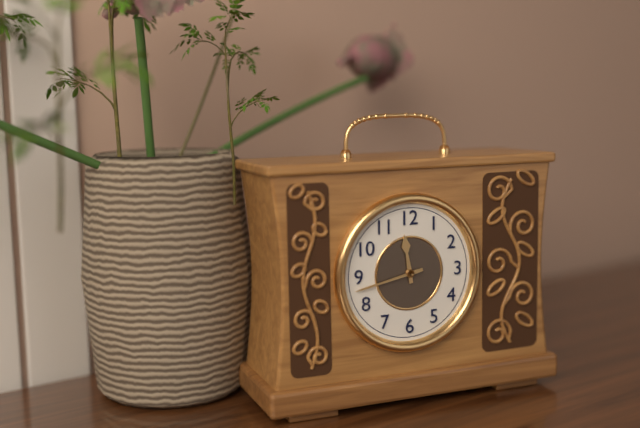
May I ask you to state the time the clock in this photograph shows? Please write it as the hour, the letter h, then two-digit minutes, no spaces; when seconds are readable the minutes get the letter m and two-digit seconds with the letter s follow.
11h43
